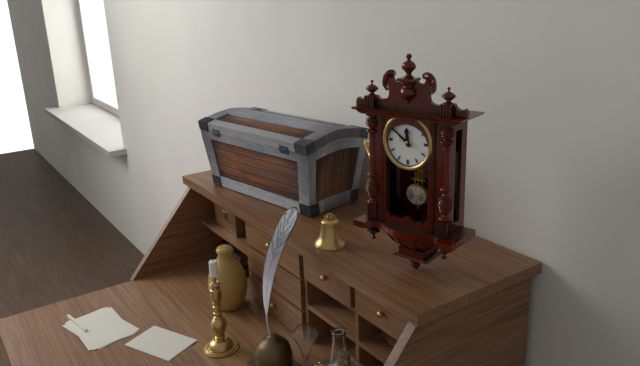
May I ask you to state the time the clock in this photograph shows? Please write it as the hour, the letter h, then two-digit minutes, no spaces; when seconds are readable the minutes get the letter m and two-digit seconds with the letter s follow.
11h51
